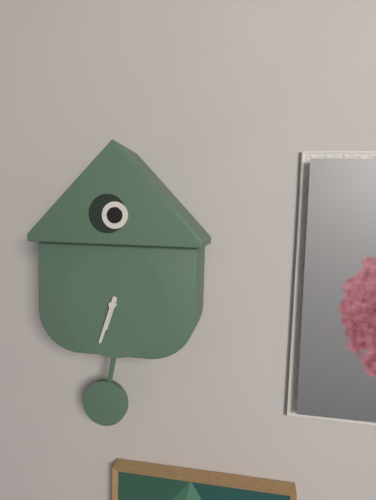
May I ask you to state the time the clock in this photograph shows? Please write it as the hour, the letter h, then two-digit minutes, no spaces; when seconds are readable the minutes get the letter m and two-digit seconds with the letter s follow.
6h33
